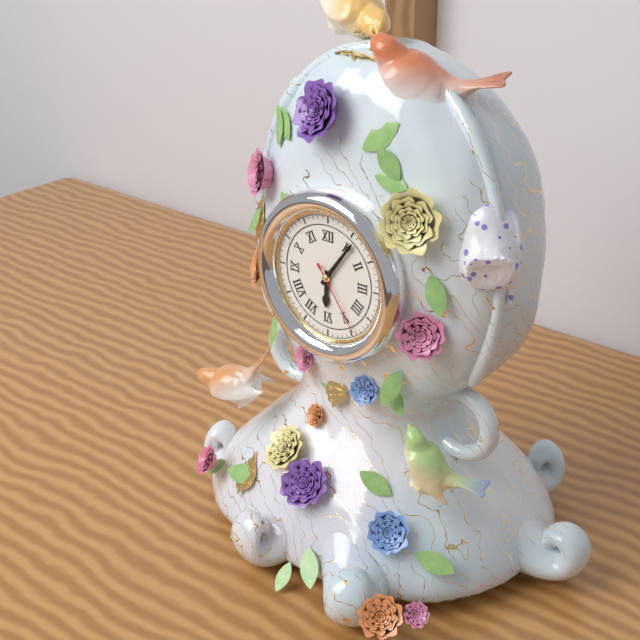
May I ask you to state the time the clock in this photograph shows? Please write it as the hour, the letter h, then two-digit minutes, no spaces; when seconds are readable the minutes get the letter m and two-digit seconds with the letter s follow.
6h06m24s
